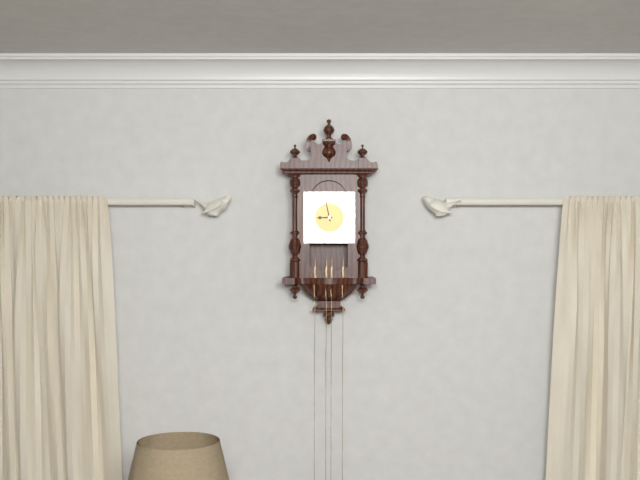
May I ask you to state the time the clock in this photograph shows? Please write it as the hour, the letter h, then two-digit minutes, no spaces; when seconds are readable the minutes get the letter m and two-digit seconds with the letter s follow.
8h58
